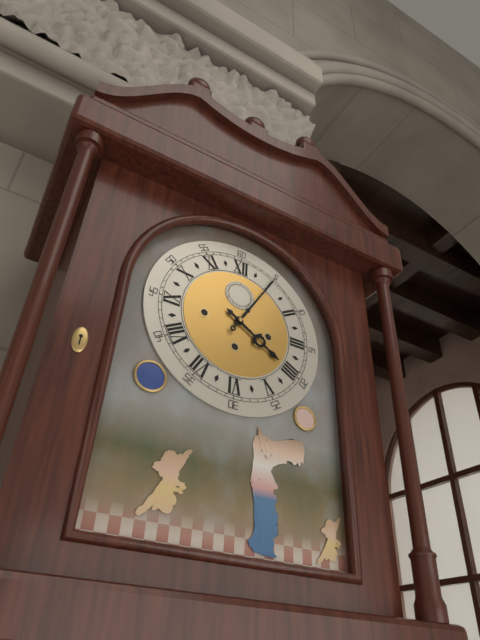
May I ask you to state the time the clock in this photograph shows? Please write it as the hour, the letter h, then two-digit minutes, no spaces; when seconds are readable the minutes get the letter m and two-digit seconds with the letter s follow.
4h05
